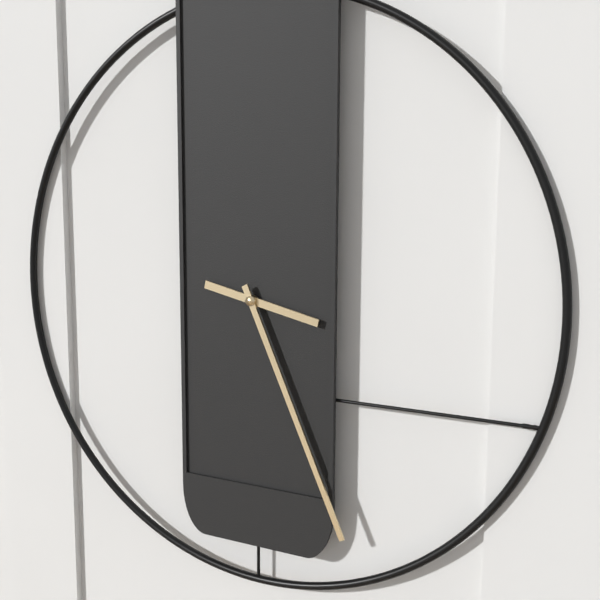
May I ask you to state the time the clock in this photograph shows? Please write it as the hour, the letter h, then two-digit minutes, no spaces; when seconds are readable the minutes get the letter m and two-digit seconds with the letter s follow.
3h26
